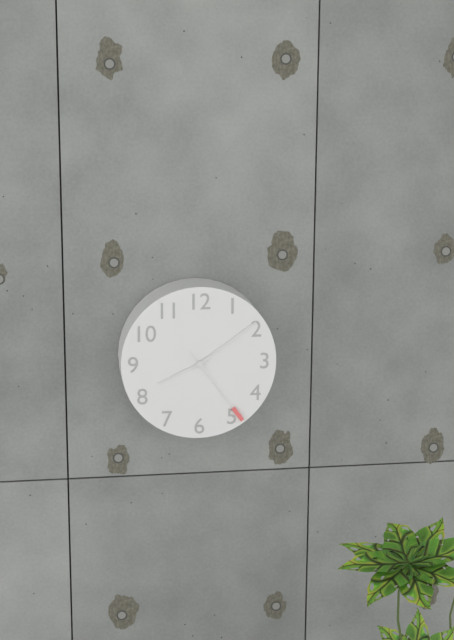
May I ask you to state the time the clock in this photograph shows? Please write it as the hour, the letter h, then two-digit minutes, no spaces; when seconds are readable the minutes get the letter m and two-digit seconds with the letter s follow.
8h09m24s
